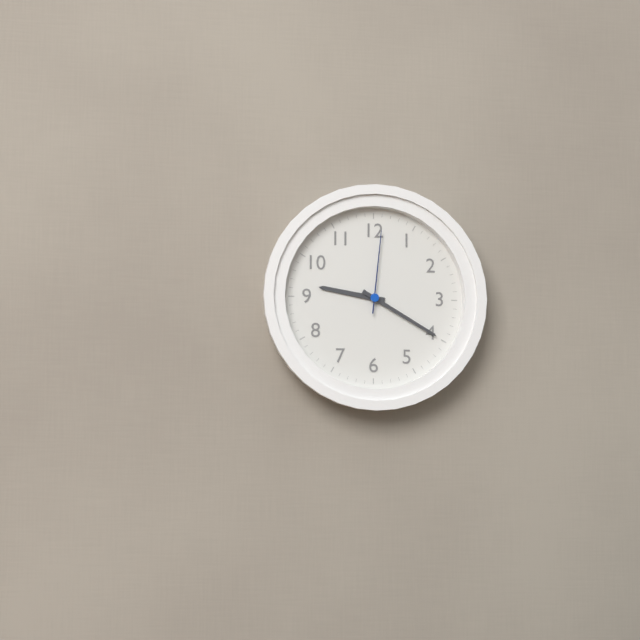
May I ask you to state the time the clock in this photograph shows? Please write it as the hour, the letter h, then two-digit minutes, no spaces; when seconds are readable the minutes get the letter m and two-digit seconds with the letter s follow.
9h20m01s
